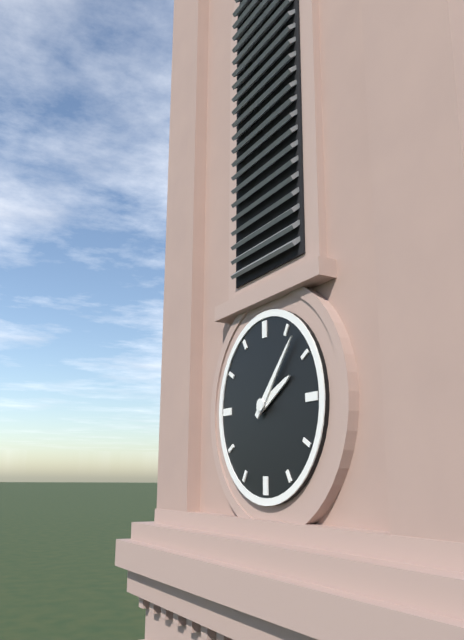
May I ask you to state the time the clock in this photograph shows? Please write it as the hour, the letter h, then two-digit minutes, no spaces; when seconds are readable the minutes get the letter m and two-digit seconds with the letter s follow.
2h07
